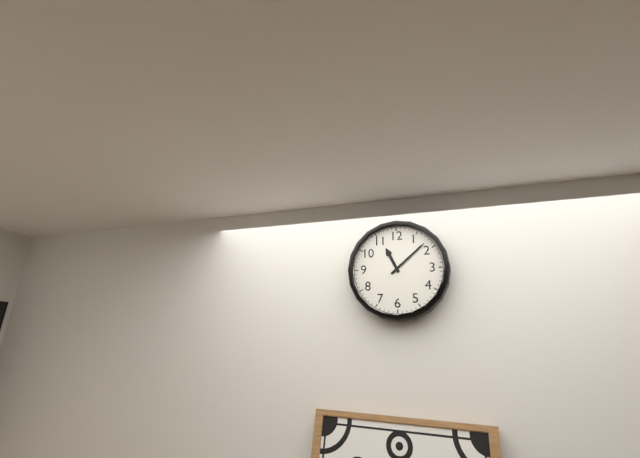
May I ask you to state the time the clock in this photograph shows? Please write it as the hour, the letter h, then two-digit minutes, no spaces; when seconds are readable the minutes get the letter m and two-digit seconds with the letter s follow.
11h08
